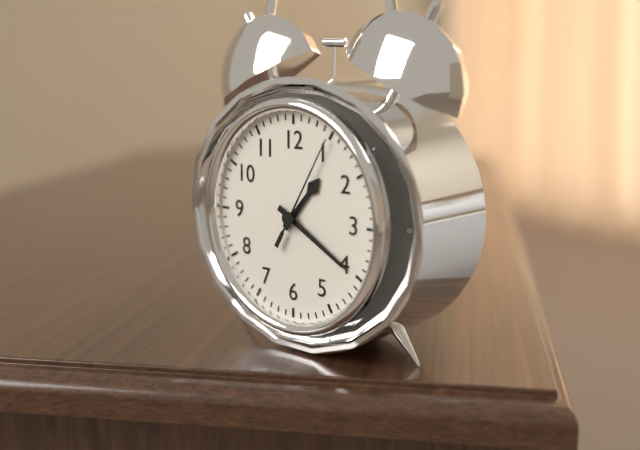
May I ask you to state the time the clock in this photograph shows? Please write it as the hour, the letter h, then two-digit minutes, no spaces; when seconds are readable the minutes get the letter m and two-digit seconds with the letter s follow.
1h20m05s
